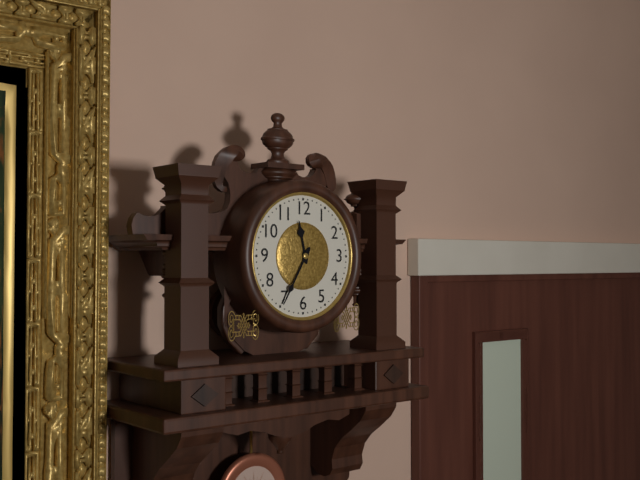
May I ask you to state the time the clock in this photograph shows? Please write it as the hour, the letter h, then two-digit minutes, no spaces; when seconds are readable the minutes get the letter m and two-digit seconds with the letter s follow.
11h35
